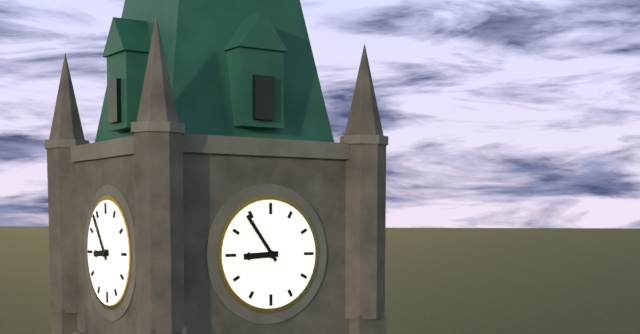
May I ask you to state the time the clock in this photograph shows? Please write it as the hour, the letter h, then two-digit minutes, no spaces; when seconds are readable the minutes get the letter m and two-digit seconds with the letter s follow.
8h54
